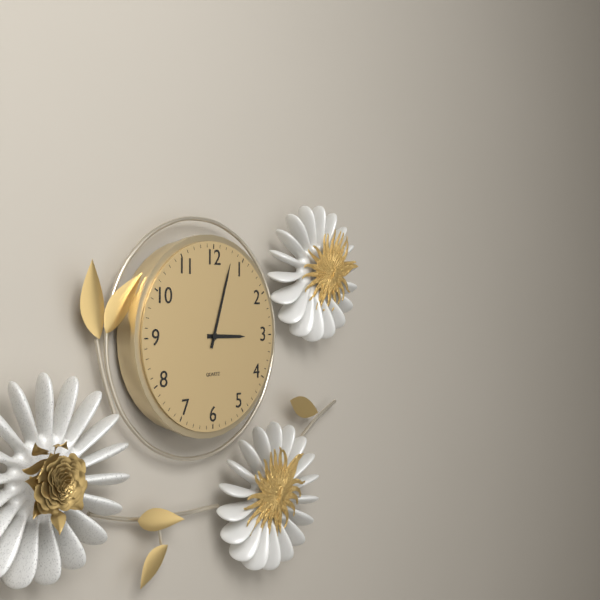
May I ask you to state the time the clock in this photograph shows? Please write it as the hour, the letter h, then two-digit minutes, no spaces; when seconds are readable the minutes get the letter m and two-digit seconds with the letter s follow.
3h03
